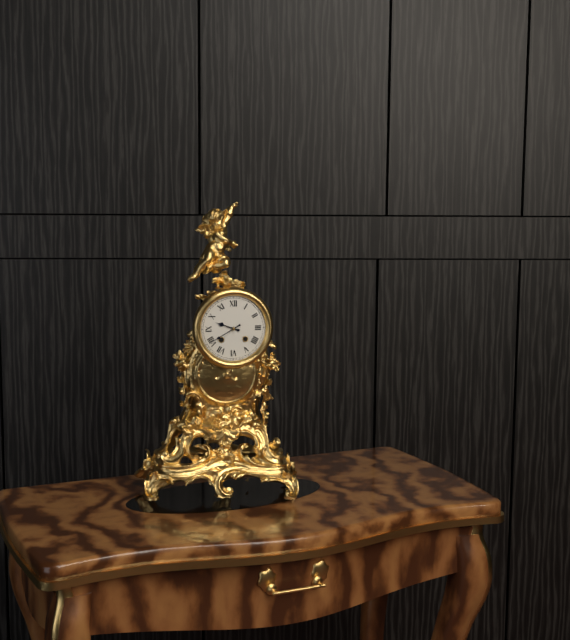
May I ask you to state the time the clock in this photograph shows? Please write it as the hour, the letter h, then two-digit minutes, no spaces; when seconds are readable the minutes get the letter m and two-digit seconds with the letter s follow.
9h40
